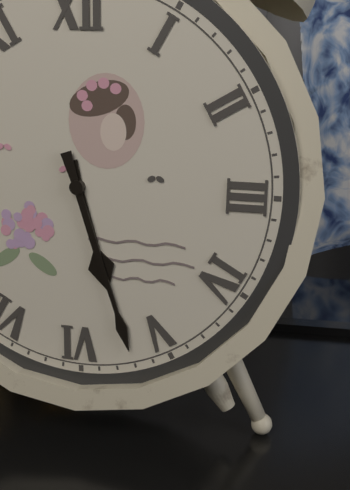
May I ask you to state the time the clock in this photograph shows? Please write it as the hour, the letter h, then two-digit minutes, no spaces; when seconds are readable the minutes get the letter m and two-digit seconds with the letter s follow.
5h27
